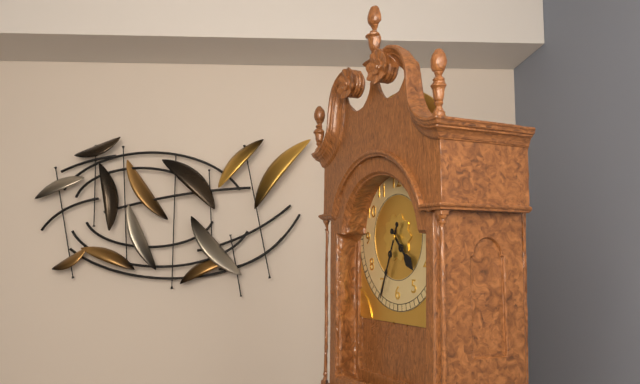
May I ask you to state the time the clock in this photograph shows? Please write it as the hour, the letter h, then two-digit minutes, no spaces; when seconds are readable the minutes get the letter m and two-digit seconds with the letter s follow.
4h34
